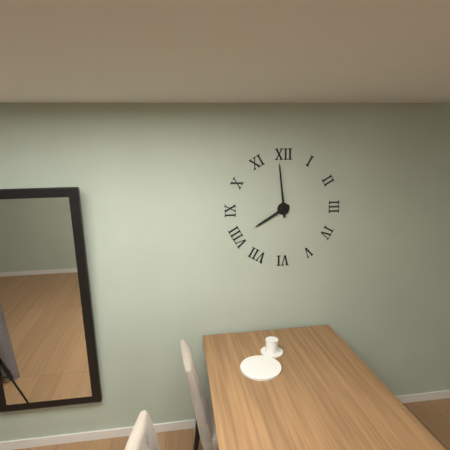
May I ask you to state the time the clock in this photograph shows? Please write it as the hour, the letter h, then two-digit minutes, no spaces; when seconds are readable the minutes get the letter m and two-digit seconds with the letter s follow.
7h59
